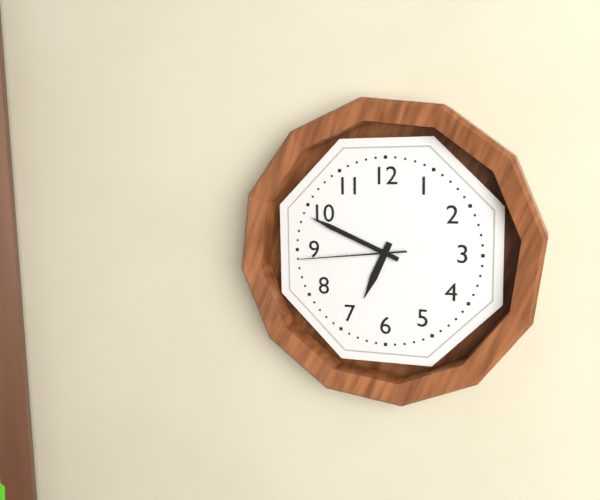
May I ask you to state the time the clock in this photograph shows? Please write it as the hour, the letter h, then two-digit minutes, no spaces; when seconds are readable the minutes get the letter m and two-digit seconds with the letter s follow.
6h49m44s
